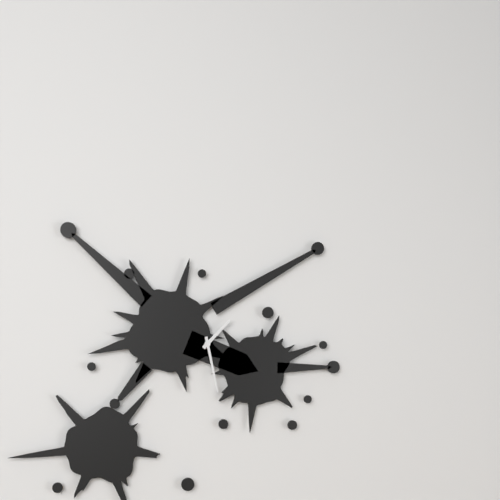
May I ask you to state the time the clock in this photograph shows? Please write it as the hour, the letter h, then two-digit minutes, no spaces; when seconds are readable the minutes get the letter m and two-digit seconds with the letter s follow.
1h28
